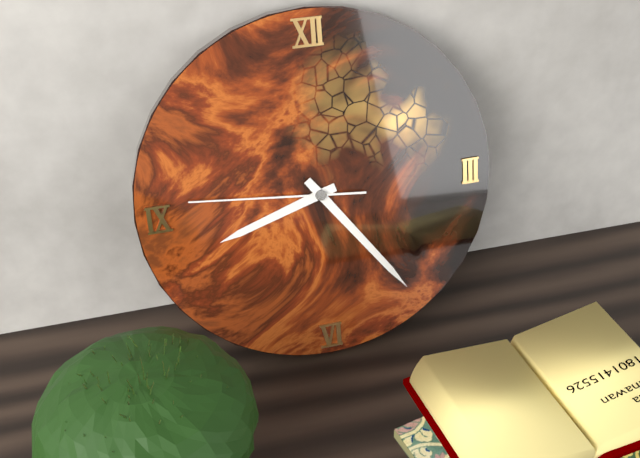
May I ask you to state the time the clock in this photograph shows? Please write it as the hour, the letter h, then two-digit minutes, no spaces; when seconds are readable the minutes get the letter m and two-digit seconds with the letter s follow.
8h24m46s
